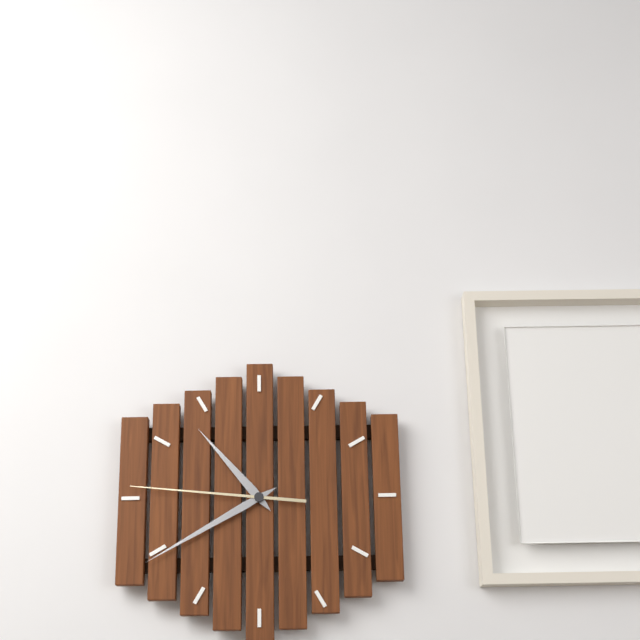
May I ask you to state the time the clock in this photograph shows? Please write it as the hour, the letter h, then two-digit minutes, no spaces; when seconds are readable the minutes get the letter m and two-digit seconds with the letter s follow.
10h40m46s
